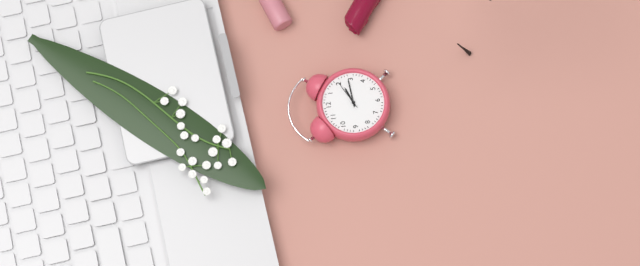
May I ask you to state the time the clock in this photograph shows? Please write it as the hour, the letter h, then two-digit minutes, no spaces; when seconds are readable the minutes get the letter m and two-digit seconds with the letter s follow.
2h14
